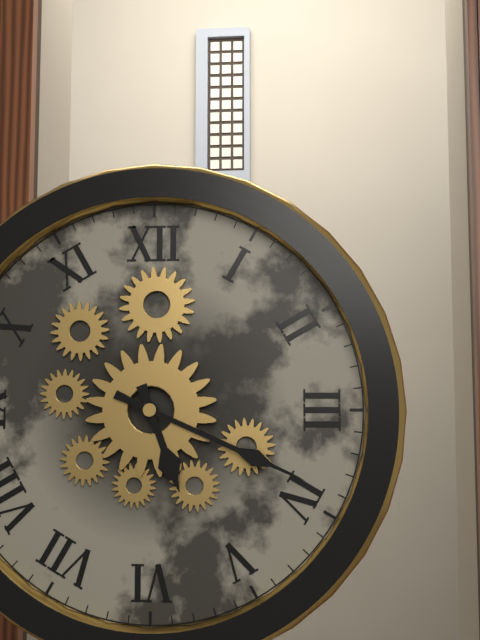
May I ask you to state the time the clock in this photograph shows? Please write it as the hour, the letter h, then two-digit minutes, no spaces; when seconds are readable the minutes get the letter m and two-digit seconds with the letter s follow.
5h19
